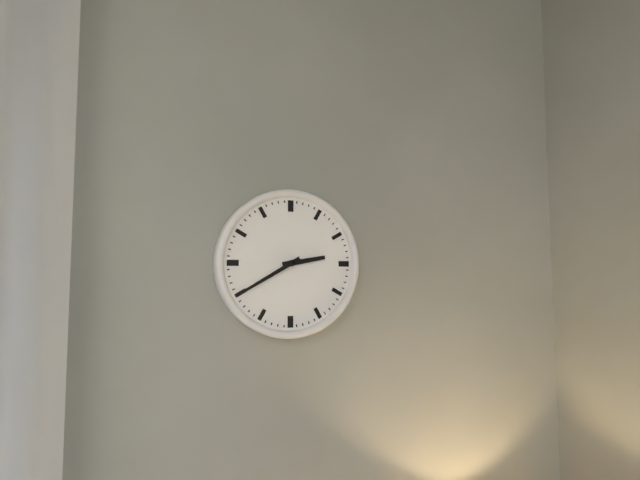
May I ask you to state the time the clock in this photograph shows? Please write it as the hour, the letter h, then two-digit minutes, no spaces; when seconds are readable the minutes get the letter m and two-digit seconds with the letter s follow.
2h40
